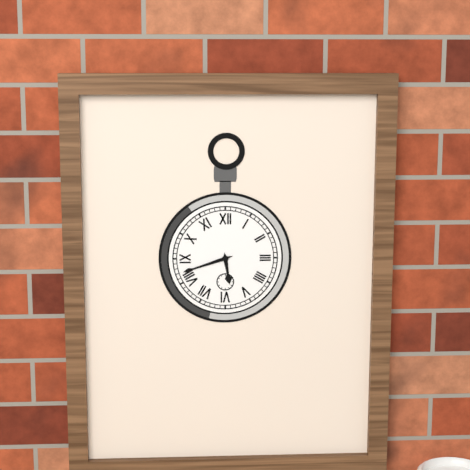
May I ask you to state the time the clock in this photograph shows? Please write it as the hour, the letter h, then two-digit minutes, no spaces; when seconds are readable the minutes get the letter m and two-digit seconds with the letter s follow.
5h42
